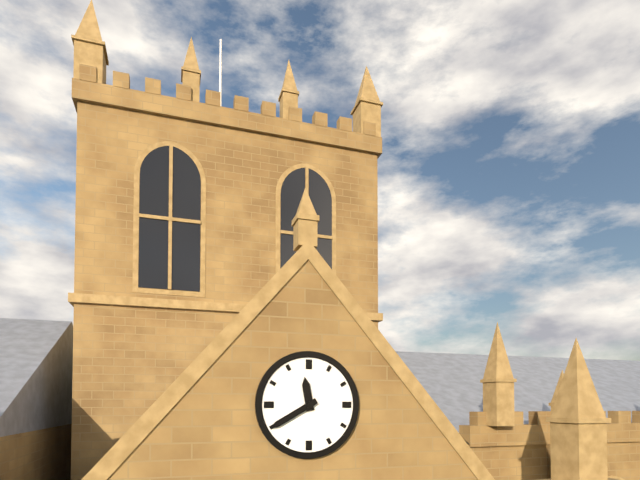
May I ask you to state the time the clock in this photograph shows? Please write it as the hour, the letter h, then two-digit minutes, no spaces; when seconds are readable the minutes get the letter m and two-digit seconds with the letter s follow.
11h40
